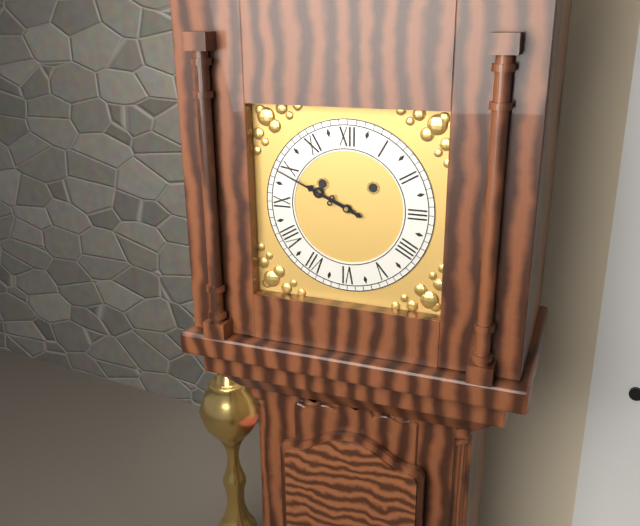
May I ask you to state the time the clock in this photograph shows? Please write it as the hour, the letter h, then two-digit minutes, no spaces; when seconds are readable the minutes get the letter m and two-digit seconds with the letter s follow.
9h49
